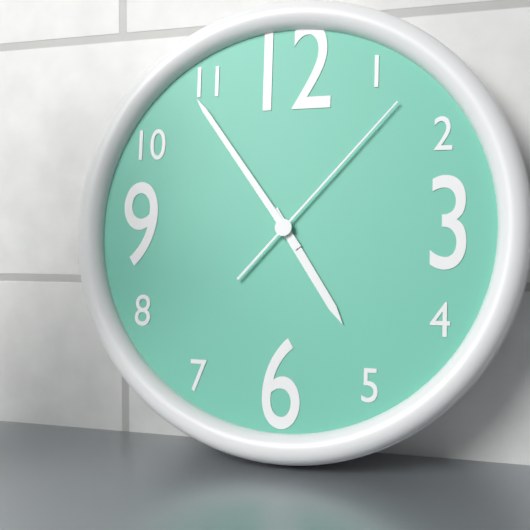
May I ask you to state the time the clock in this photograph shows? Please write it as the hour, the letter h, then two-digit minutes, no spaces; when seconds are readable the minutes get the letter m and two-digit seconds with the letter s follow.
4h54m07s
